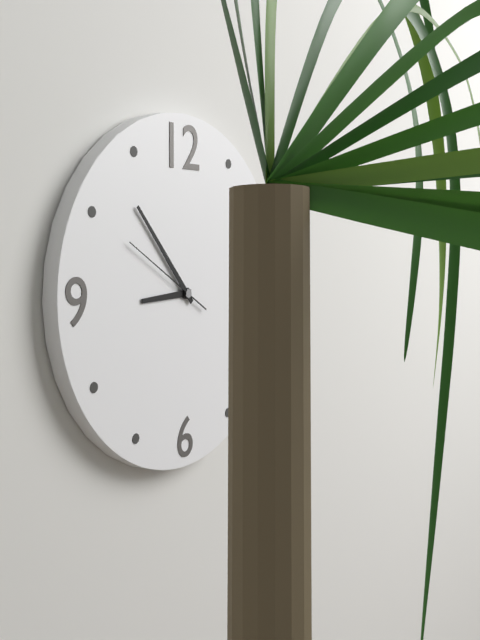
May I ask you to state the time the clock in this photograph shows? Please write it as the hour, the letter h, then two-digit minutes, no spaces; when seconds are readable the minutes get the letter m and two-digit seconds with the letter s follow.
8h53m50s
